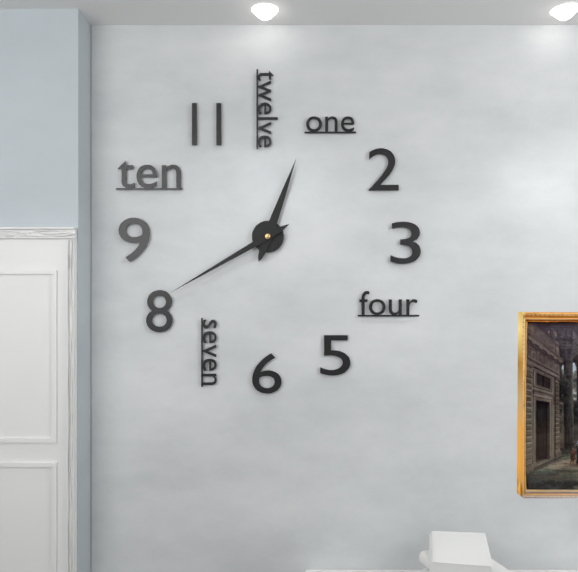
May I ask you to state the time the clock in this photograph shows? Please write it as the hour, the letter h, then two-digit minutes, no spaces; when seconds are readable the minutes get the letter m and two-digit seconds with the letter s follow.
12h40
